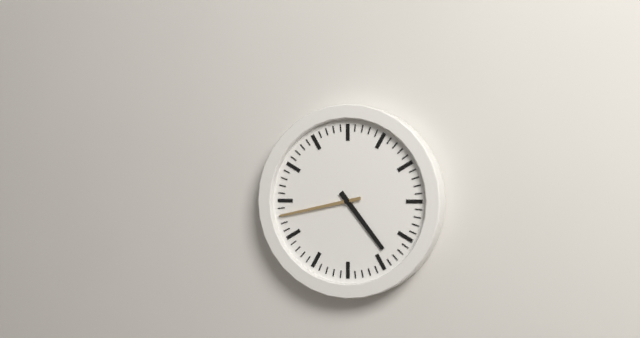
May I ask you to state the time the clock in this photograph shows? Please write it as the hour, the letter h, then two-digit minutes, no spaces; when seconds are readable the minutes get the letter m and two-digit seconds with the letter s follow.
4h43
